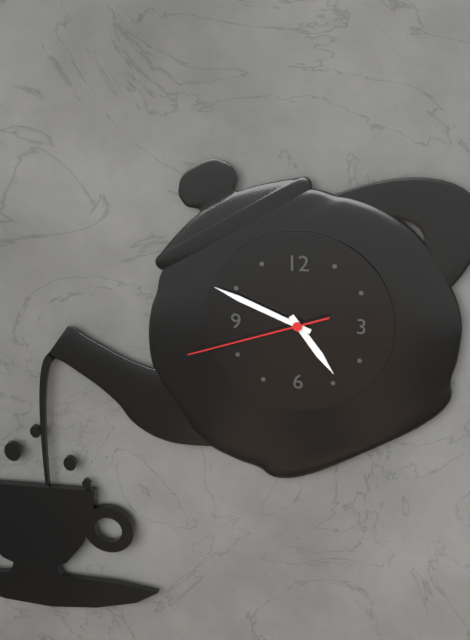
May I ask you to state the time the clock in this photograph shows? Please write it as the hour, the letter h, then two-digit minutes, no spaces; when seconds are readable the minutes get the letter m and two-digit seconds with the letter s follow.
4h49m42s
